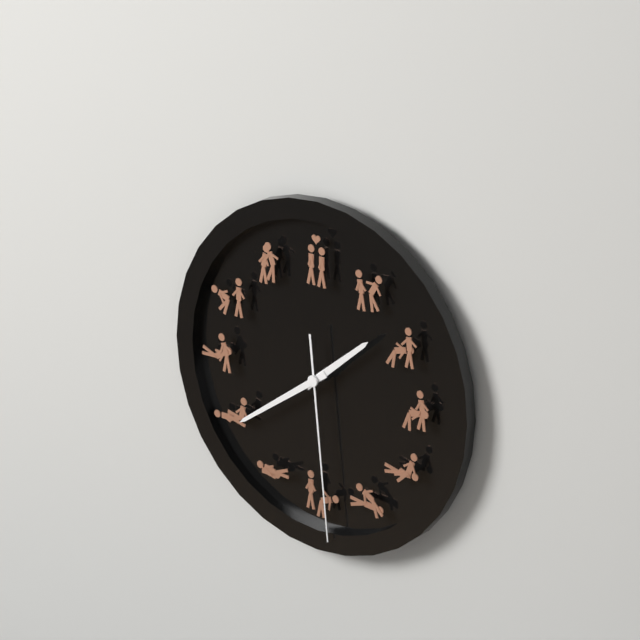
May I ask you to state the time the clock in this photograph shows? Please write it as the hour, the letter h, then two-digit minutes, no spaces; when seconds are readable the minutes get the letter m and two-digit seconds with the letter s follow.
1h39m29s
